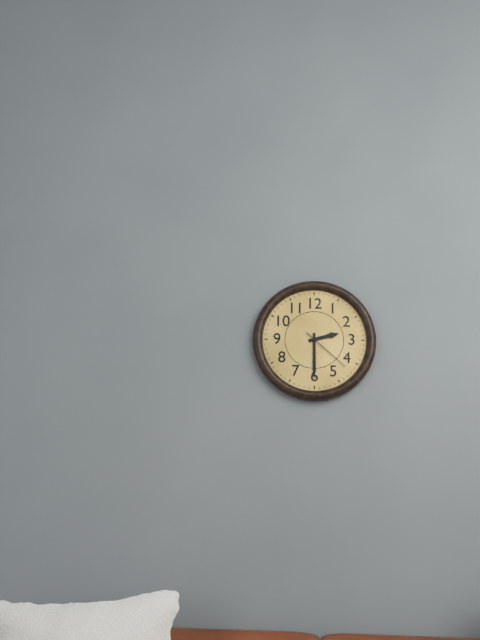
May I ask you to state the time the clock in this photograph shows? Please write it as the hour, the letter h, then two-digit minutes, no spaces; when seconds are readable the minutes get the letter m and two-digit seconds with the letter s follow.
2h30m22s
